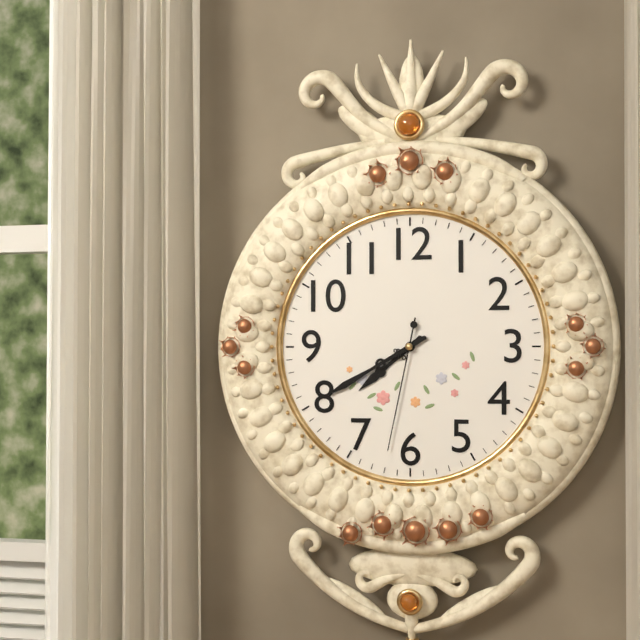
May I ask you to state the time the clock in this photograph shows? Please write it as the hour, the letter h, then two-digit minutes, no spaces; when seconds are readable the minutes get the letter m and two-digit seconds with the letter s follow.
7h40m32s
